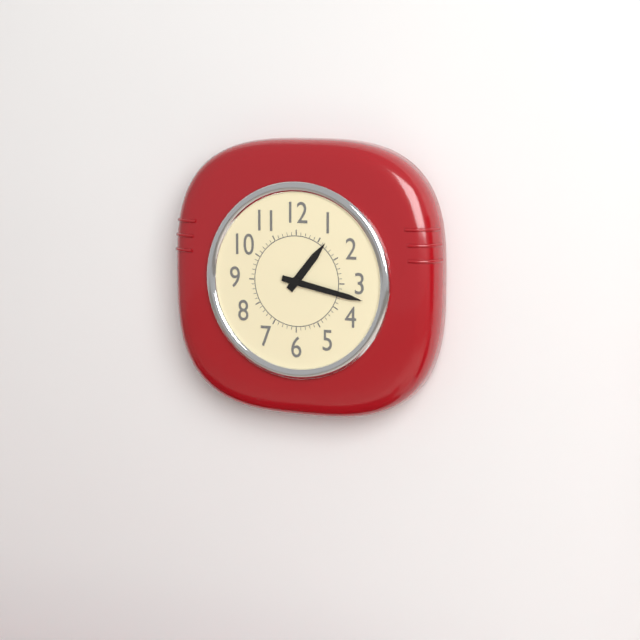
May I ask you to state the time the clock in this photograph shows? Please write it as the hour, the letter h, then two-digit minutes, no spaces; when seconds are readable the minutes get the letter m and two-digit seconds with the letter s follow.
1h17
